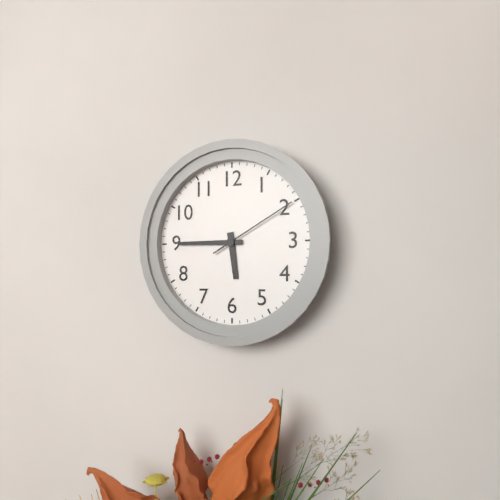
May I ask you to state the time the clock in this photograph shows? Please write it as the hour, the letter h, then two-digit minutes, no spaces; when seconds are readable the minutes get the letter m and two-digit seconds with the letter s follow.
5h45m10s
